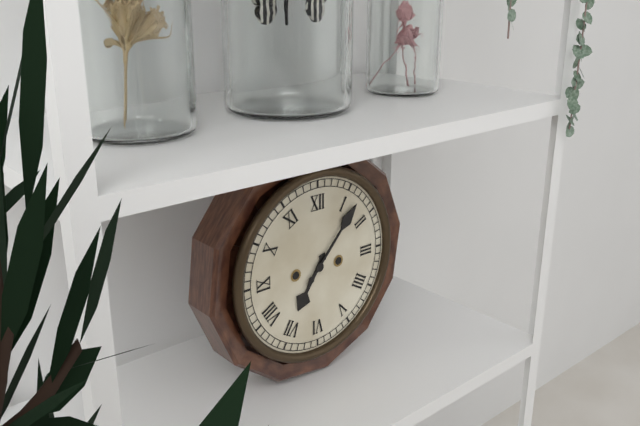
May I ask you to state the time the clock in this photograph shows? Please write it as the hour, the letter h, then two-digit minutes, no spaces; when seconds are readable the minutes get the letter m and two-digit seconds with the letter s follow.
7h07
